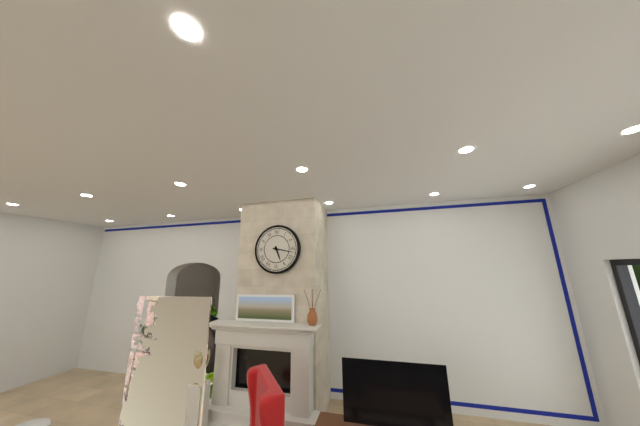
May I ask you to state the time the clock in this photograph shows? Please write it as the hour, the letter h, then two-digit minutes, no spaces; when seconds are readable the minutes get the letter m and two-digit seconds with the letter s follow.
5h17
